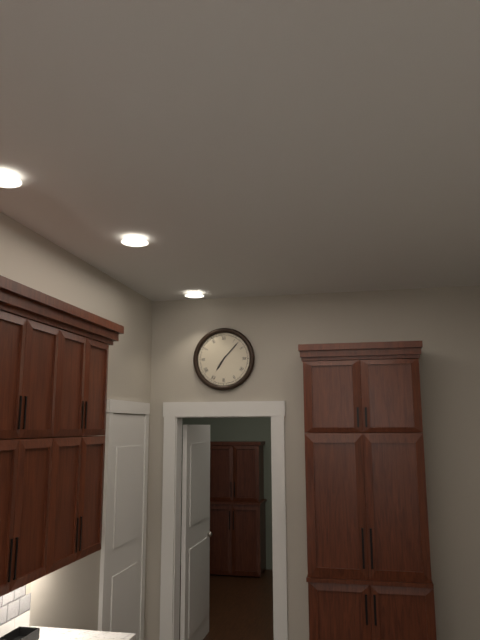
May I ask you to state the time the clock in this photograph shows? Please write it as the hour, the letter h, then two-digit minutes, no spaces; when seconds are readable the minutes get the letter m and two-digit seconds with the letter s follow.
7h07
